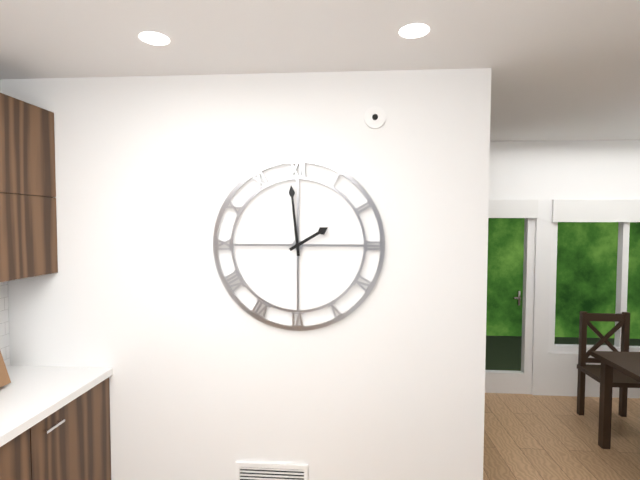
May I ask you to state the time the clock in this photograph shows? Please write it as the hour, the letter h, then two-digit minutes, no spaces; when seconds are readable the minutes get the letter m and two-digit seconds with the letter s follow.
1h59
